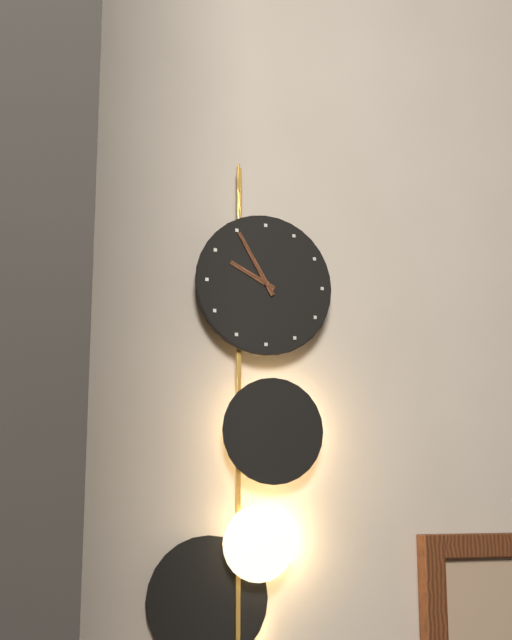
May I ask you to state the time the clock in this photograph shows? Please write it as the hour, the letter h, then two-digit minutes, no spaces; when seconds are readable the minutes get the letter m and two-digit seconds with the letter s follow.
9h55
